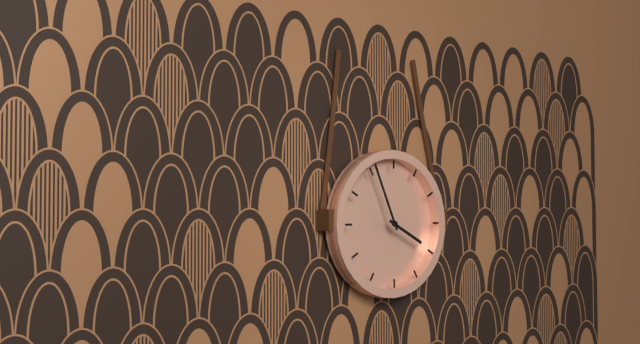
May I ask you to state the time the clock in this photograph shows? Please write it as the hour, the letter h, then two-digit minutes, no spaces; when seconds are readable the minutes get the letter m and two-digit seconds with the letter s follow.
3h56
